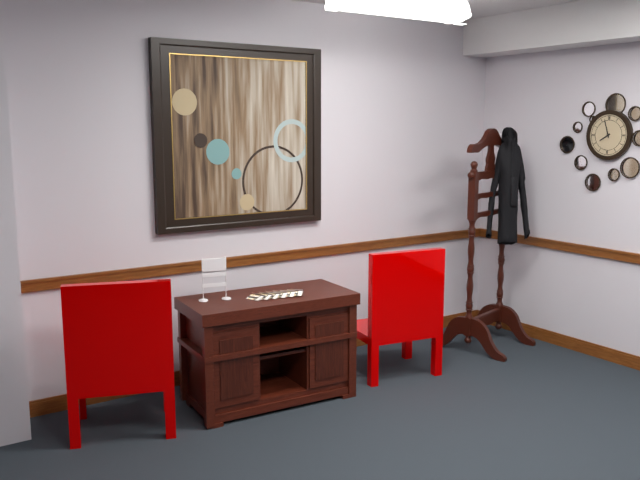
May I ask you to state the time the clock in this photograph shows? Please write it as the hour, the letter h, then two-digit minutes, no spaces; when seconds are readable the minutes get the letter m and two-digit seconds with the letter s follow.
7h57
